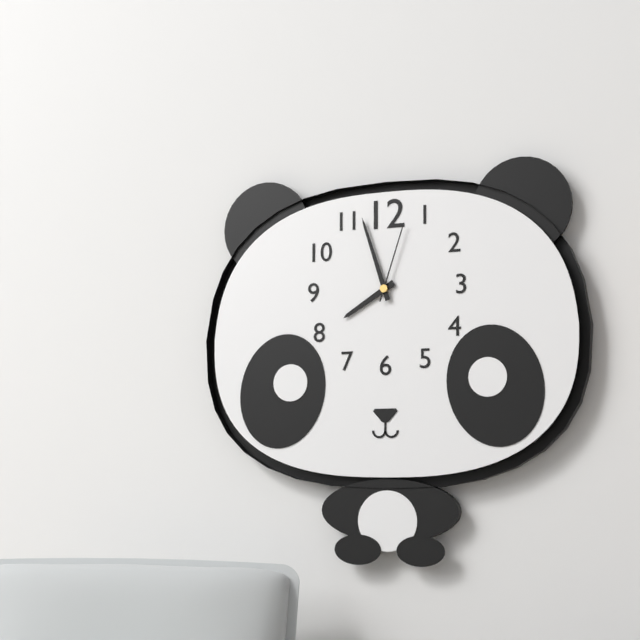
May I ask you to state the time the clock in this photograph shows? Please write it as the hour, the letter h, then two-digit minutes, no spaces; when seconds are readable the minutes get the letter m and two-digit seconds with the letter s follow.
7h57m03s
